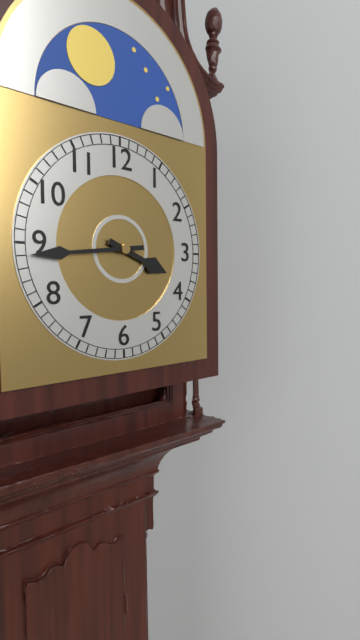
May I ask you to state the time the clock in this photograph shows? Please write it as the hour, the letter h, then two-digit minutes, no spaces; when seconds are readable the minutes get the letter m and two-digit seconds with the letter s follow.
3h44
